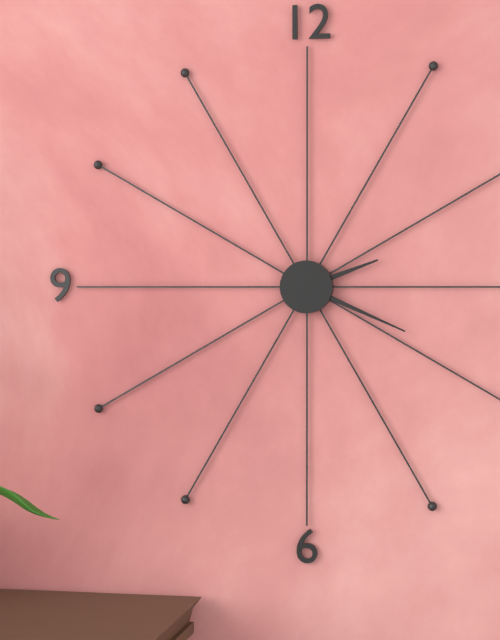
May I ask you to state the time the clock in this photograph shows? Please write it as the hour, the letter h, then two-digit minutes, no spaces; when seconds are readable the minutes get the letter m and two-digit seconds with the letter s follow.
2h19
